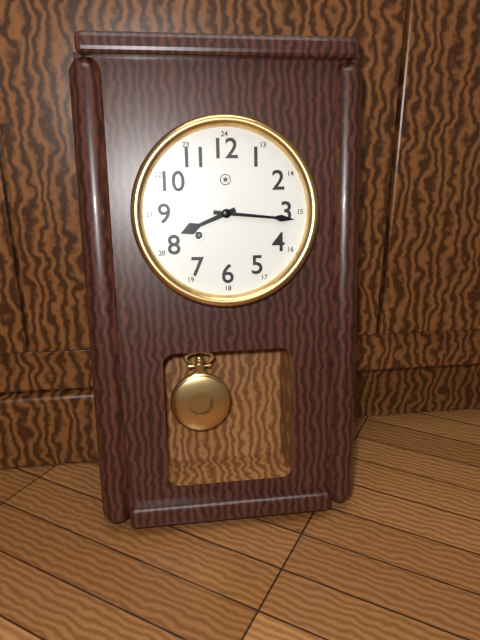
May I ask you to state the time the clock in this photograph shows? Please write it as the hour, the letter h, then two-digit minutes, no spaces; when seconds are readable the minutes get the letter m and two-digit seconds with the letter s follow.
8h16
